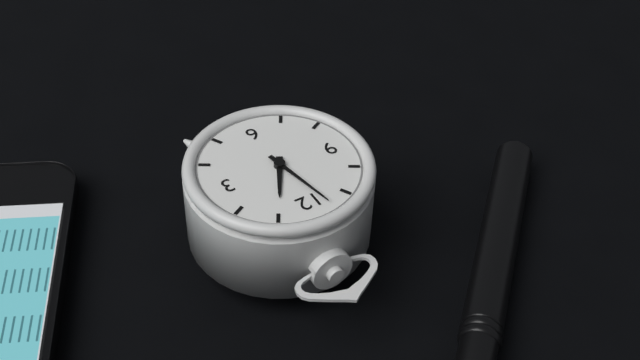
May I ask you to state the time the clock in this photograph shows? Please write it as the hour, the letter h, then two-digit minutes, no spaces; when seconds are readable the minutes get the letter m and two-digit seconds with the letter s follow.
12h58
